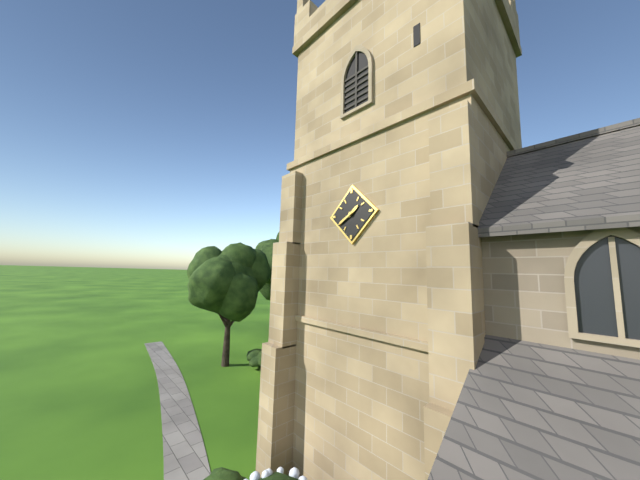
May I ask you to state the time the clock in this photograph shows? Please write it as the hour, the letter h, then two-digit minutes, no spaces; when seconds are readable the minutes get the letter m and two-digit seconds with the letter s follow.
1h40
